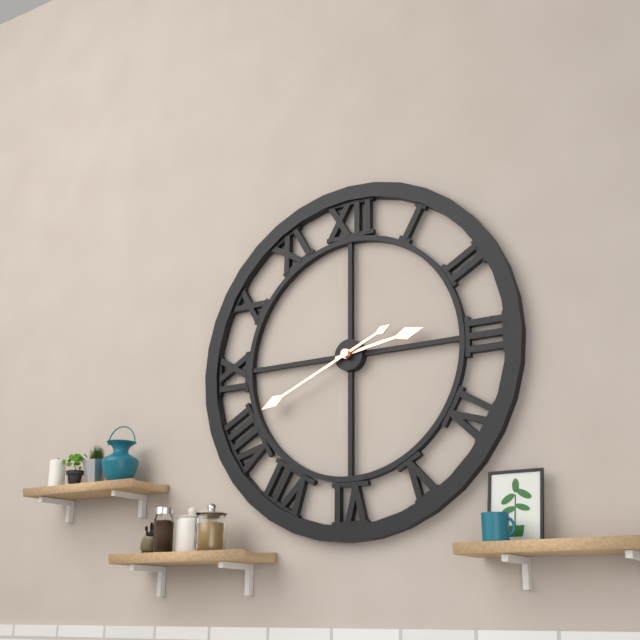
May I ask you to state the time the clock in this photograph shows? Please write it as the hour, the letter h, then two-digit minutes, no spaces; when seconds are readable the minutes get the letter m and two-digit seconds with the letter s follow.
2h41
